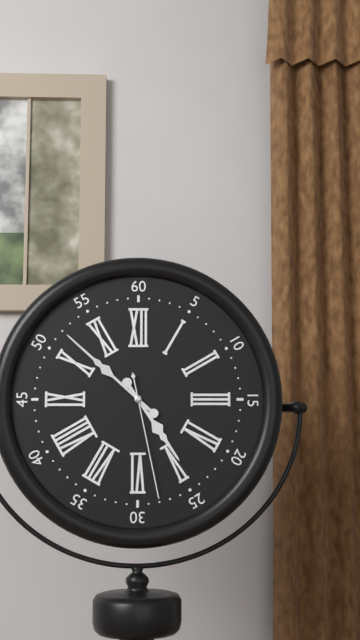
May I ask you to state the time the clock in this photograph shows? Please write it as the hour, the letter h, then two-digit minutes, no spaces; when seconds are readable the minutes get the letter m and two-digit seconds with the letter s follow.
4h52m28s
